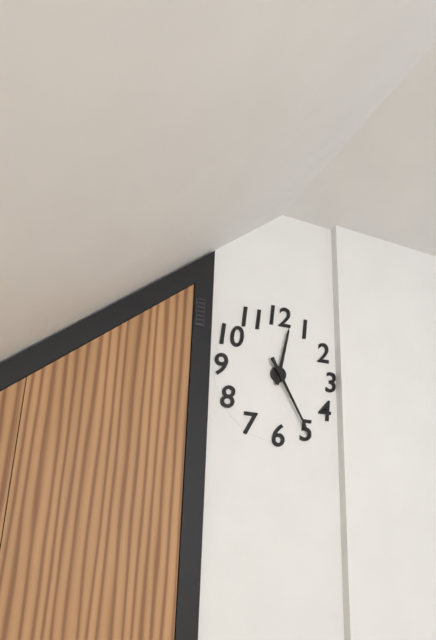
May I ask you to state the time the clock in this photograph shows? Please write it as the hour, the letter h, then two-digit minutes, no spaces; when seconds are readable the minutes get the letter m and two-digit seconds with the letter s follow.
12h25
